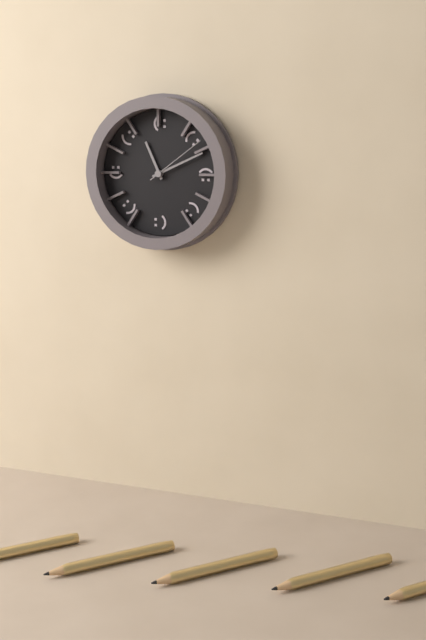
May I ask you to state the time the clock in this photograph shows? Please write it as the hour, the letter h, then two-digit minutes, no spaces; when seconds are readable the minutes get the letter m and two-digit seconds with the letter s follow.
11h11m09s
